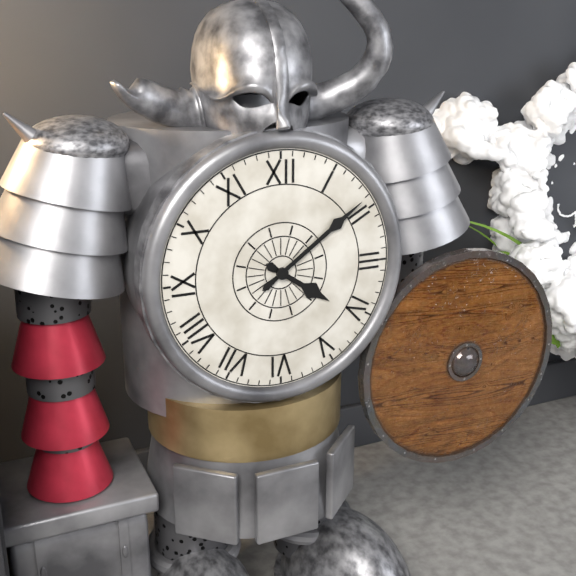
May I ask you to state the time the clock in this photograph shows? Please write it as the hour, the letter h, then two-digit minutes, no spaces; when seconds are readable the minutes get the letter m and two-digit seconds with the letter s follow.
4h09
